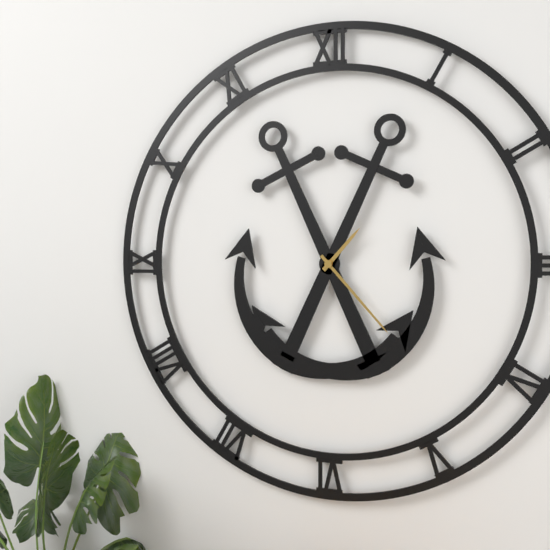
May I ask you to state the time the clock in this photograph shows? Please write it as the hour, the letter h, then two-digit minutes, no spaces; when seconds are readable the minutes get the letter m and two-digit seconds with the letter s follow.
1h23
